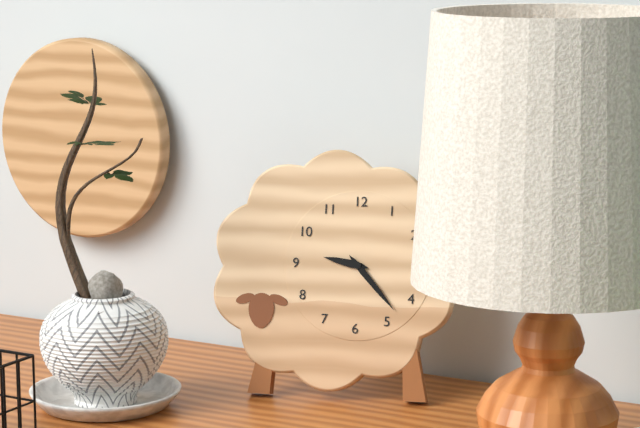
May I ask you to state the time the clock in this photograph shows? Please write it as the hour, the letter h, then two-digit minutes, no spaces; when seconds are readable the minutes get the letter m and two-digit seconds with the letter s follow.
9h23
